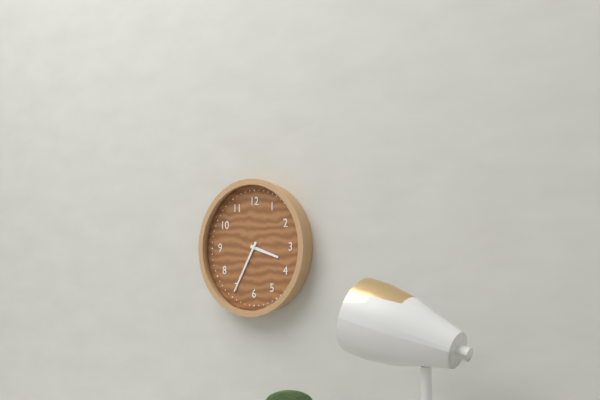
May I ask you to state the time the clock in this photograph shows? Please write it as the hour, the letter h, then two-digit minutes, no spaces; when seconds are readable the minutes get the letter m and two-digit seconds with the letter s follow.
3h35
